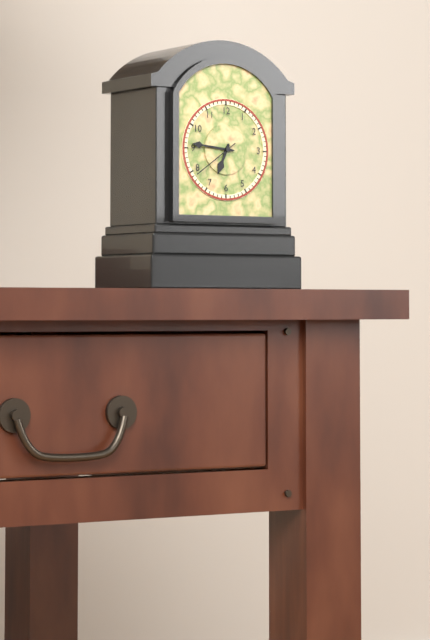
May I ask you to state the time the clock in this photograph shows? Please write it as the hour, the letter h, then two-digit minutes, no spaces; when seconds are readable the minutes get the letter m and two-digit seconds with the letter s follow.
6h46
